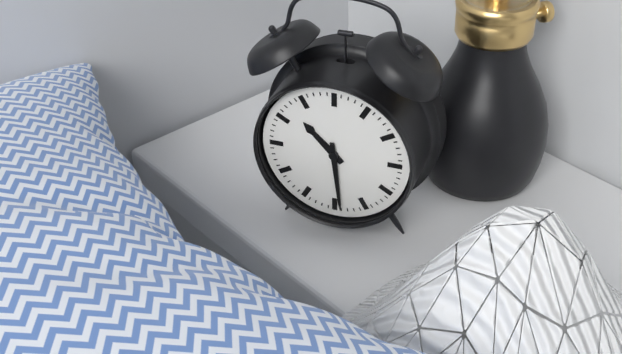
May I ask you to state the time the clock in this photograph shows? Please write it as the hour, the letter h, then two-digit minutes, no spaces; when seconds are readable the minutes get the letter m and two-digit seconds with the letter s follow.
10h29
